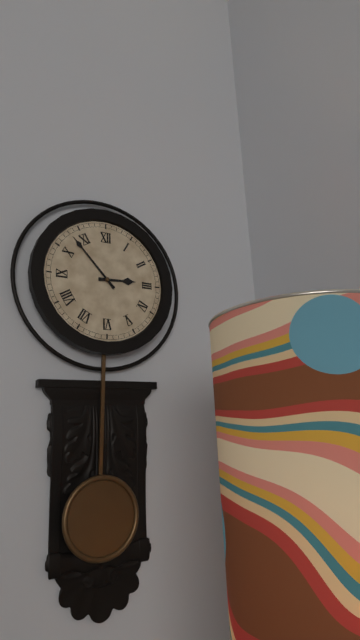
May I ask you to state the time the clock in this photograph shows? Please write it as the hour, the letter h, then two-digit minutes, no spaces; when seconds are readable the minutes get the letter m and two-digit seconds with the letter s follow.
2h53
